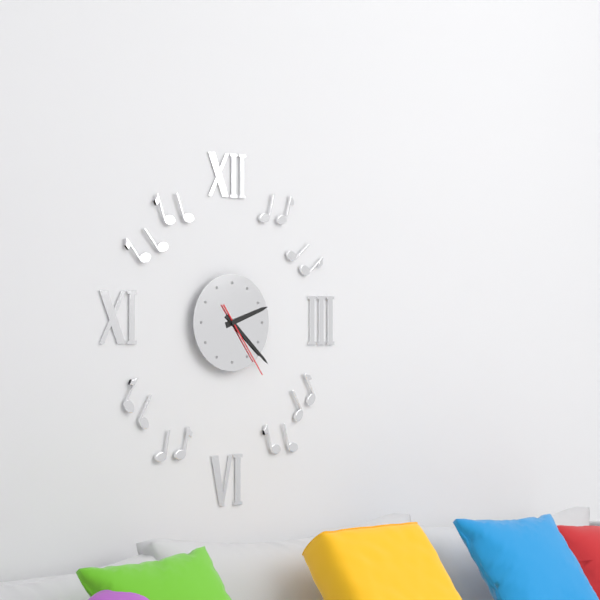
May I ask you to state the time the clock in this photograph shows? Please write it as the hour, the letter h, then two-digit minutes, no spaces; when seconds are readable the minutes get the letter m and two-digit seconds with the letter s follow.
2h22m24s
